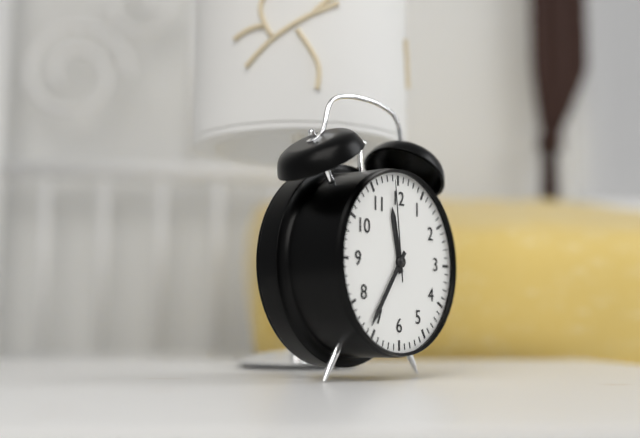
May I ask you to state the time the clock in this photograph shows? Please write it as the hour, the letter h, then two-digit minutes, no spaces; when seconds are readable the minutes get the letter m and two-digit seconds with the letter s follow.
11h36m59s
